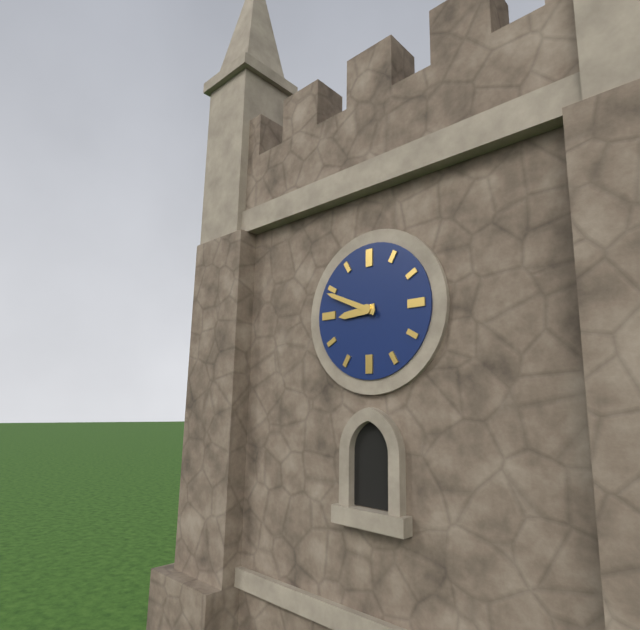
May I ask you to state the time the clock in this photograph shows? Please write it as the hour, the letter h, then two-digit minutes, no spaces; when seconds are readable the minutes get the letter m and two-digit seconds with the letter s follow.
8h49
